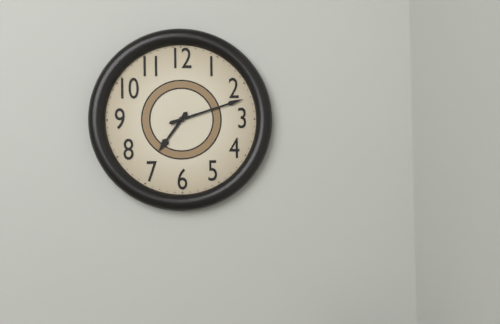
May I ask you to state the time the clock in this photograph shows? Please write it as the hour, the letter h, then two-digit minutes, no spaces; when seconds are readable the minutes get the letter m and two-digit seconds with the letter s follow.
7h12
